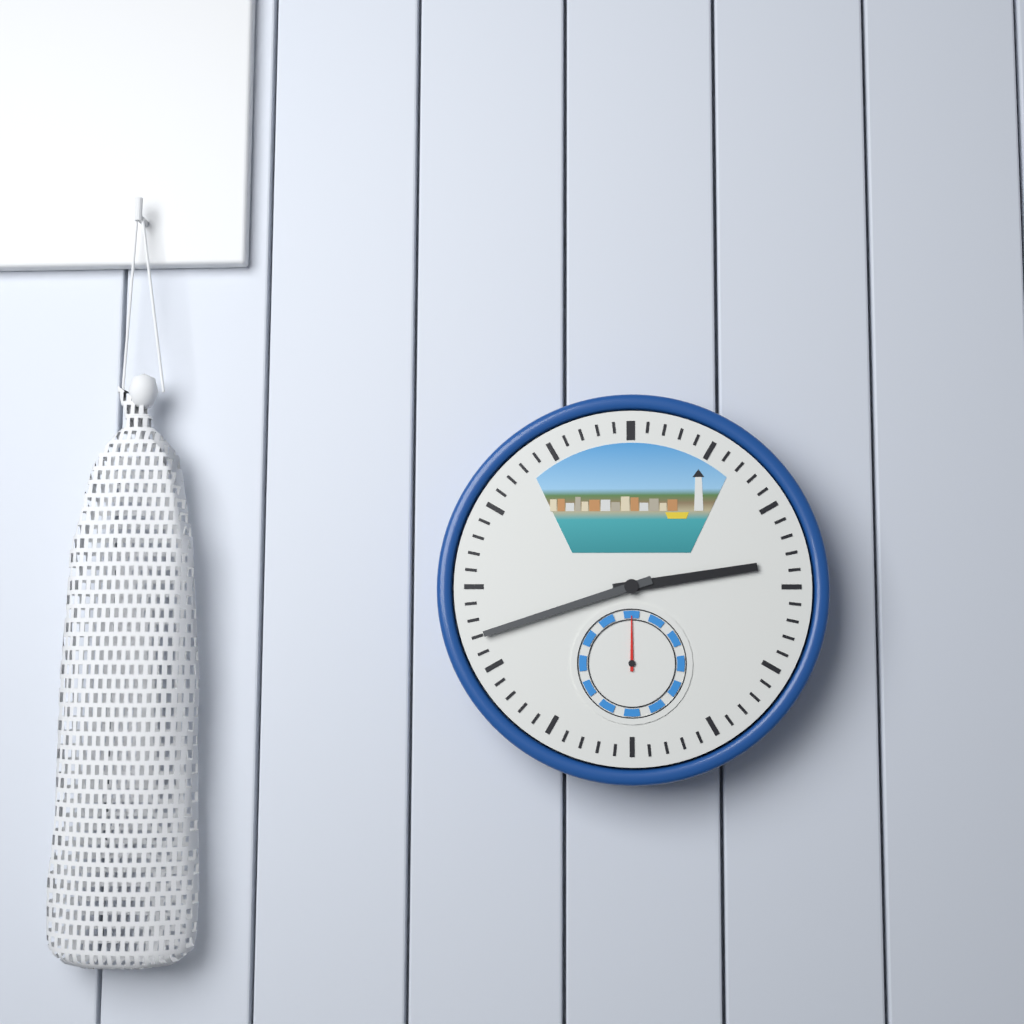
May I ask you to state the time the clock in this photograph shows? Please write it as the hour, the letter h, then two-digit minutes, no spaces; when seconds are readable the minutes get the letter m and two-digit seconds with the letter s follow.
2h42
